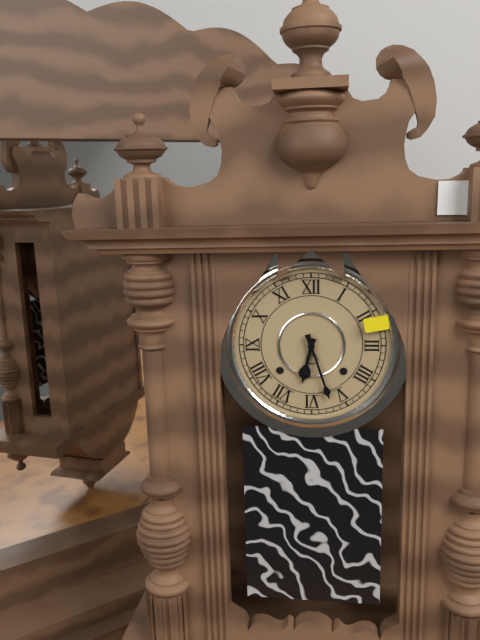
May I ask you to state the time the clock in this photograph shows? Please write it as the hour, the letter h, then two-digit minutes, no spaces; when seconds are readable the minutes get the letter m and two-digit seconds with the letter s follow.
6h27
